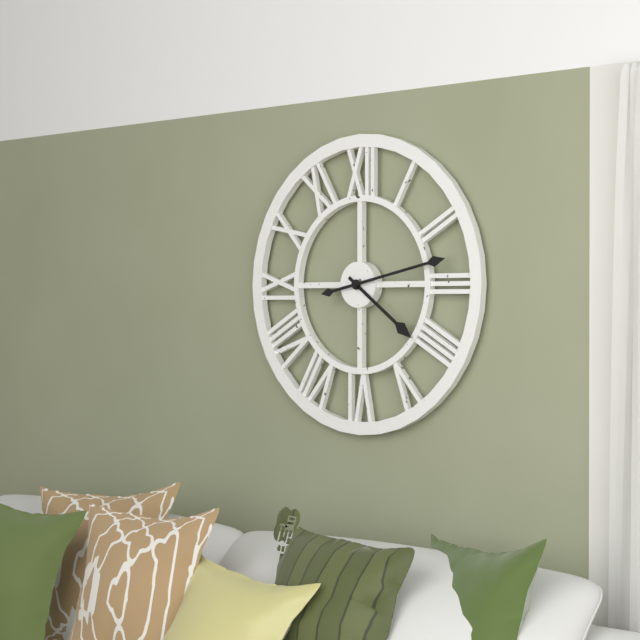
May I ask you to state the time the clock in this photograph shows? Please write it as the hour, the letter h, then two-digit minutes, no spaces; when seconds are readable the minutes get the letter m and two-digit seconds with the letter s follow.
4h13
